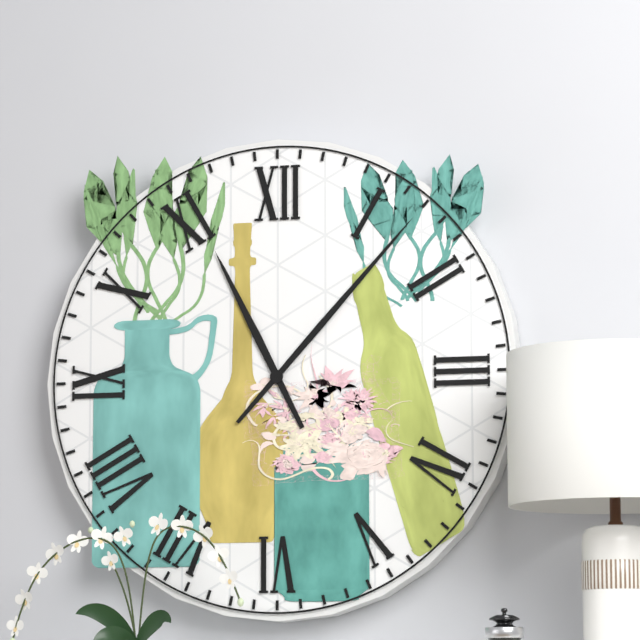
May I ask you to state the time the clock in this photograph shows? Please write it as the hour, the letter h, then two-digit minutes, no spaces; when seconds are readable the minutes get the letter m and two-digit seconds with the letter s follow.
11h07
